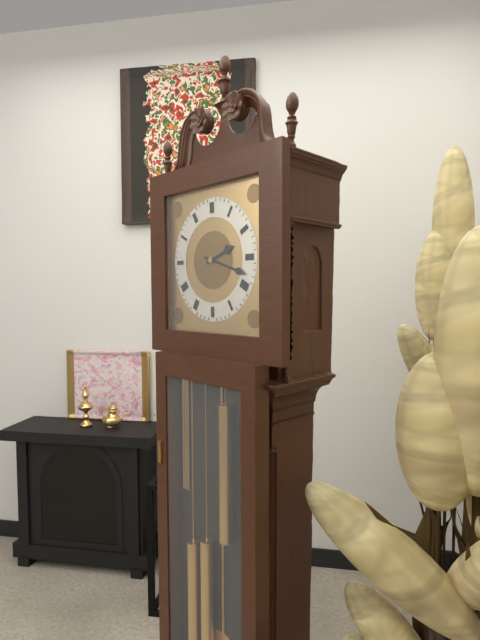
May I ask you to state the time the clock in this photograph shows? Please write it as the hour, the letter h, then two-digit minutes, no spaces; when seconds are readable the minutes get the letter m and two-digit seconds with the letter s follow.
2h18
